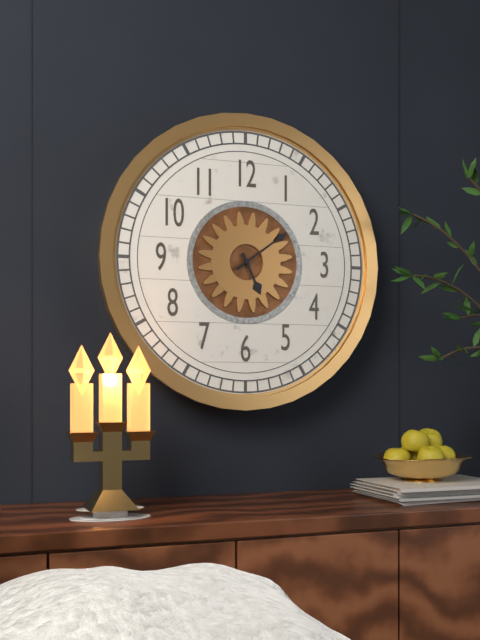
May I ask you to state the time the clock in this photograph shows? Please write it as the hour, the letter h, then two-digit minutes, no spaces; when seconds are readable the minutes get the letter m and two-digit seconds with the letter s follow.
5h09
